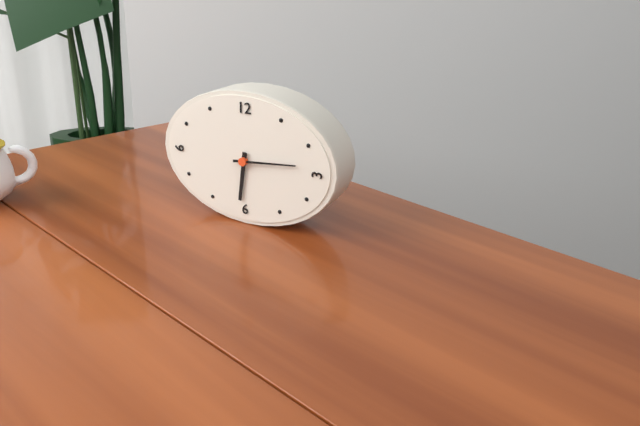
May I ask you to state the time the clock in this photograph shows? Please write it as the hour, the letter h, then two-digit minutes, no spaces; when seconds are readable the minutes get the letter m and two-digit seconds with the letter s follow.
6h14
